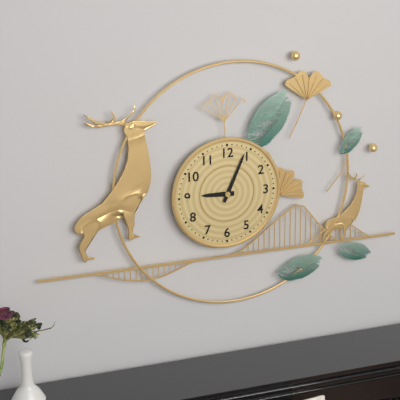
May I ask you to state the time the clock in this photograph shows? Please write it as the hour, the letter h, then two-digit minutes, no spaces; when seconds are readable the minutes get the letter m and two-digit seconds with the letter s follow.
9h04
